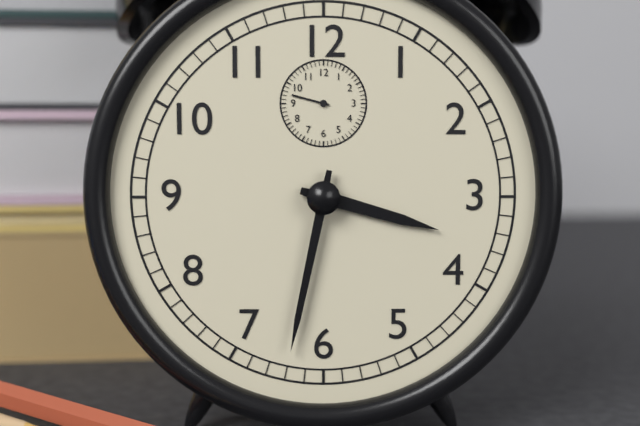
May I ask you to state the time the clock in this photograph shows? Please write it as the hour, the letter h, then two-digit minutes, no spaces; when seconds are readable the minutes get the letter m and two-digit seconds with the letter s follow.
3h32
